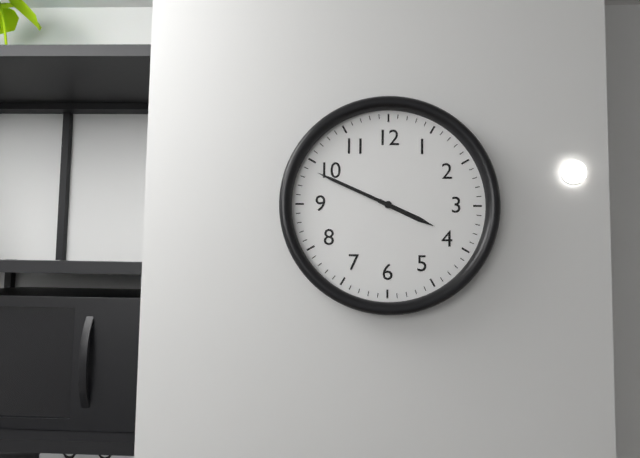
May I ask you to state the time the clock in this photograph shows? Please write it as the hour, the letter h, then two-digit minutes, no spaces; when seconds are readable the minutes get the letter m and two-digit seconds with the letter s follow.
3h49
